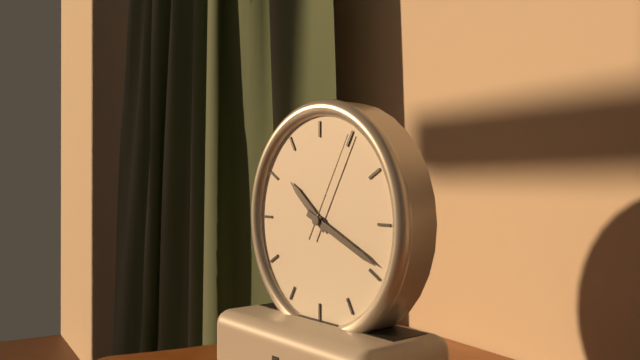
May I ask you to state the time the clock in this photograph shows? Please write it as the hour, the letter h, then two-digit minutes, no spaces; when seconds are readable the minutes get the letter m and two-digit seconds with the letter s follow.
10h19m05s
